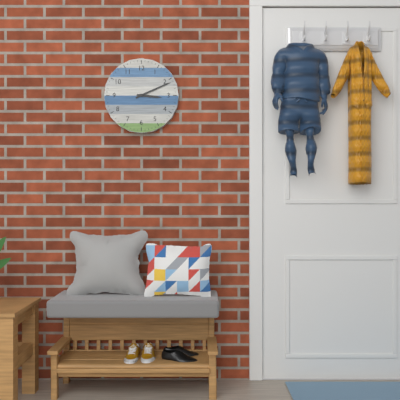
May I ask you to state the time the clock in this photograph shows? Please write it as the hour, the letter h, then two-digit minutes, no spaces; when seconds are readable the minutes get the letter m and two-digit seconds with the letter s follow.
3h11
